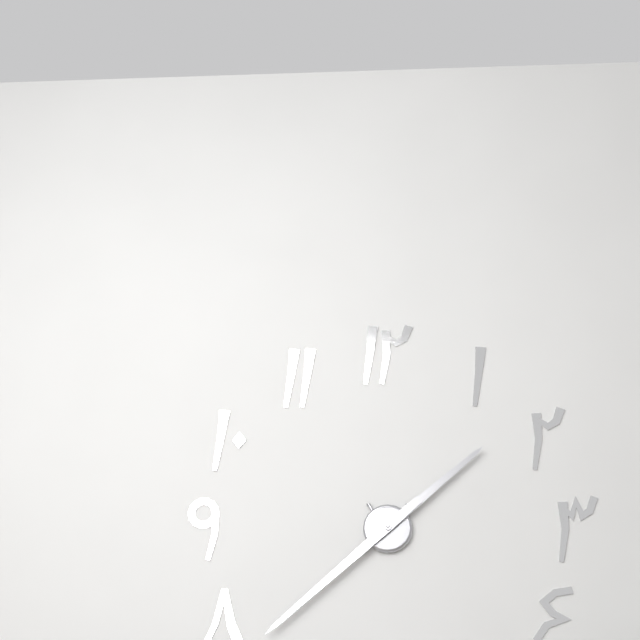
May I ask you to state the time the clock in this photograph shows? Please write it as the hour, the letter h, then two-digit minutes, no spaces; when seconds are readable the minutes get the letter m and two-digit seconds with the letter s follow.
1h38
